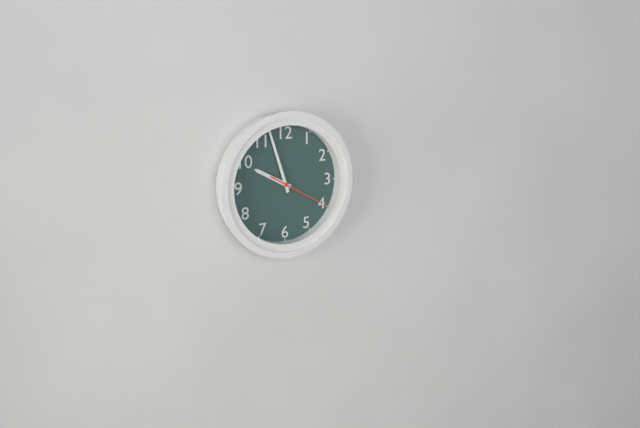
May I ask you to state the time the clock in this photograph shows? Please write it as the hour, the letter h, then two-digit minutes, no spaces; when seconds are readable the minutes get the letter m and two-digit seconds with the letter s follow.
9h57m20s
